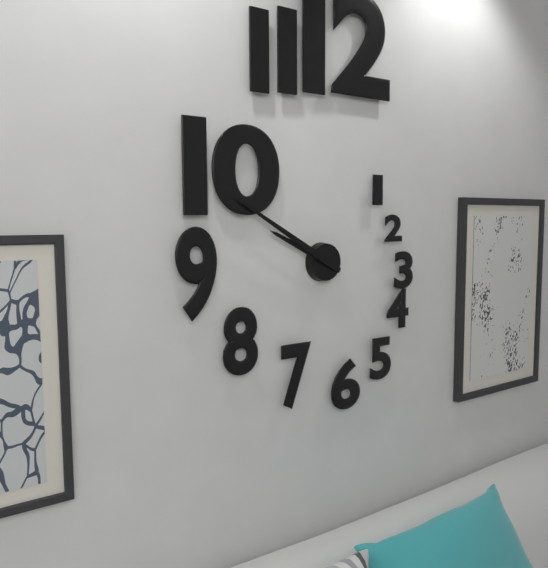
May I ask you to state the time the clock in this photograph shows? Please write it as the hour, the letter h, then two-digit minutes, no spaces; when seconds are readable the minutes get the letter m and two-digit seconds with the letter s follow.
9h50
